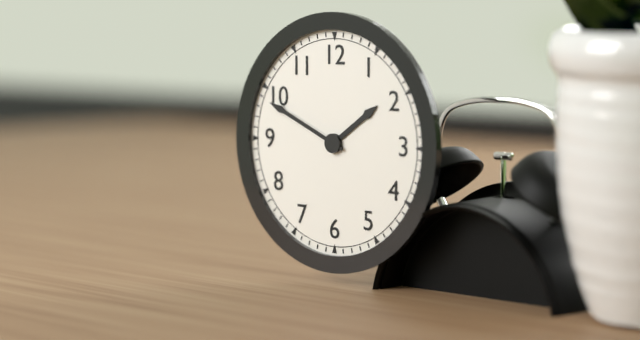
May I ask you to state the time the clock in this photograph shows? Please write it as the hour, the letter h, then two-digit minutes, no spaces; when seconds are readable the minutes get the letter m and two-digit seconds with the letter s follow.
1h49
